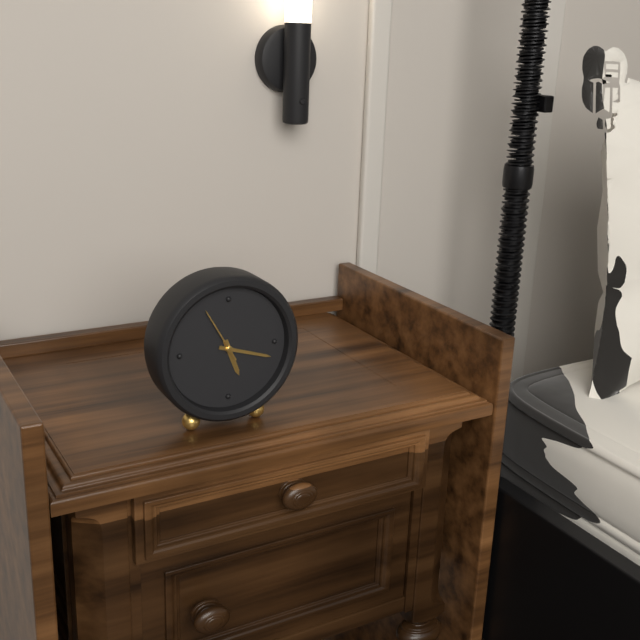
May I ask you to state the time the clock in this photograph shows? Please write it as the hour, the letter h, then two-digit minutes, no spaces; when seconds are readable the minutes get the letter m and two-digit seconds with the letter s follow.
5h18m55s
